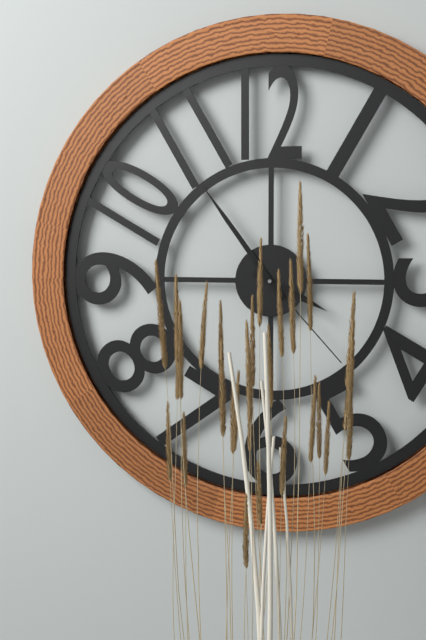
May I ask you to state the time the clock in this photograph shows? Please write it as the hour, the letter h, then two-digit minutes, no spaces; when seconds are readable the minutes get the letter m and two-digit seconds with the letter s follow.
3h54m23s
